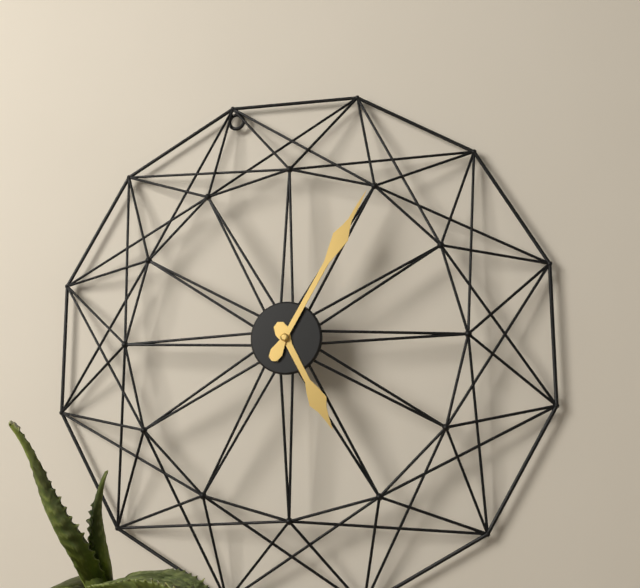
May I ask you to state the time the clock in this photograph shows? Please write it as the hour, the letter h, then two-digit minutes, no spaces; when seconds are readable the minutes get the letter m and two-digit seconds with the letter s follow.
5h05
